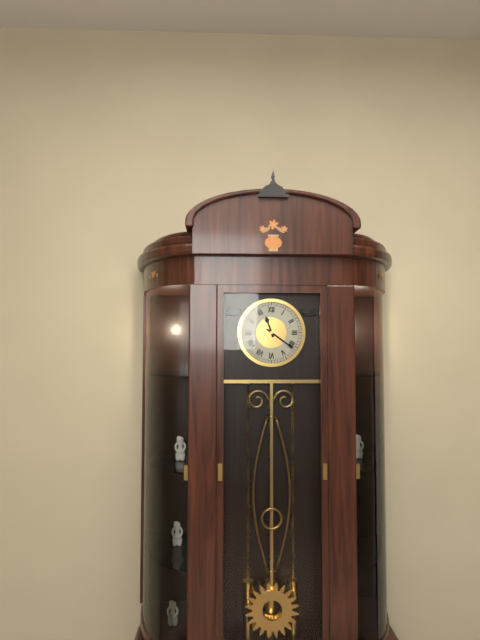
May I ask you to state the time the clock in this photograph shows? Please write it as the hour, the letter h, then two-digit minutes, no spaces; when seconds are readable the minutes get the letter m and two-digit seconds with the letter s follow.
11h21
